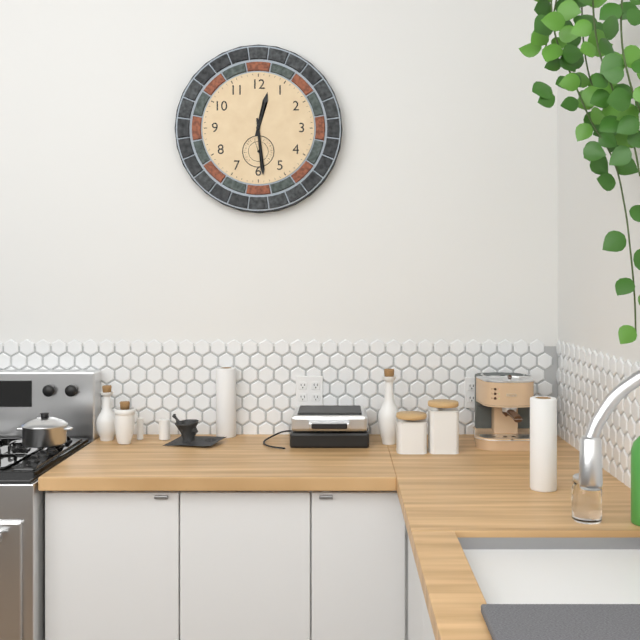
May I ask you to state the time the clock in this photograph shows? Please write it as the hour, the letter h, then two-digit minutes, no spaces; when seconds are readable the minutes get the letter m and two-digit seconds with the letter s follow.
12h29
